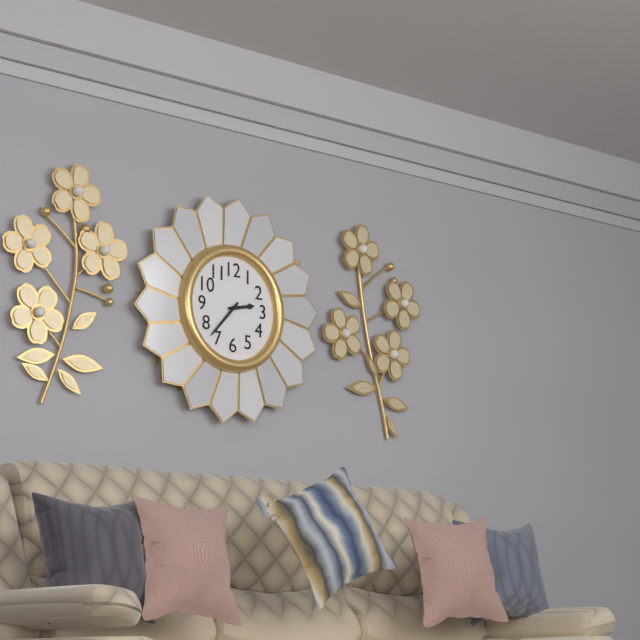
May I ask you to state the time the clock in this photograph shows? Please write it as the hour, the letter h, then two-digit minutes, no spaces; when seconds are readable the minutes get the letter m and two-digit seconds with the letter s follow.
2h37
